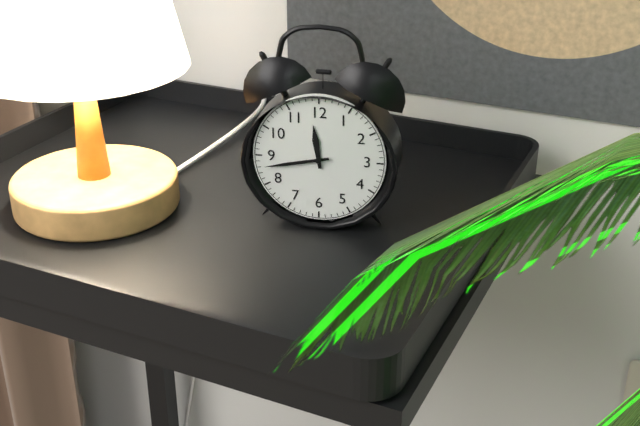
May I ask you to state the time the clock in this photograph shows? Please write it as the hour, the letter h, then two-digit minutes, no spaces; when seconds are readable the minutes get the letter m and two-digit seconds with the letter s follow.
11h43
